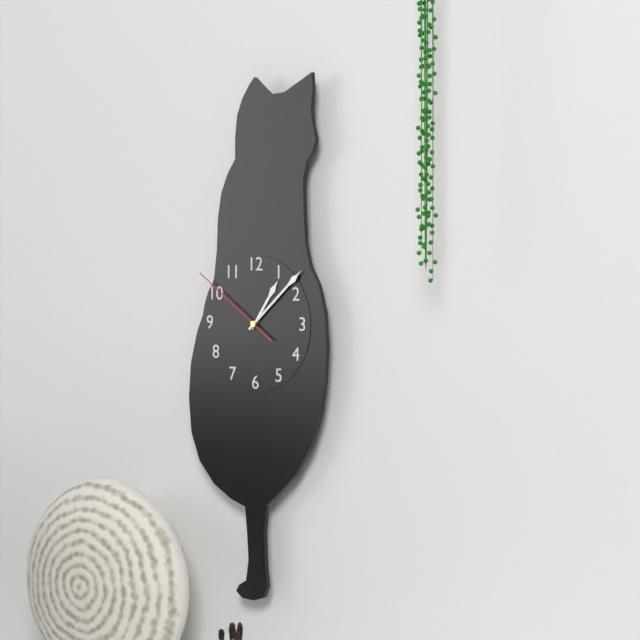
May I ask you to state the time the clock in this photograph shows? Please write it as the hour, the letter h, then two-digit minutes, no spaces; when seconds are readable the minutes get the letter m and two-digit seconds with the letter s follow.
1h08m51s
